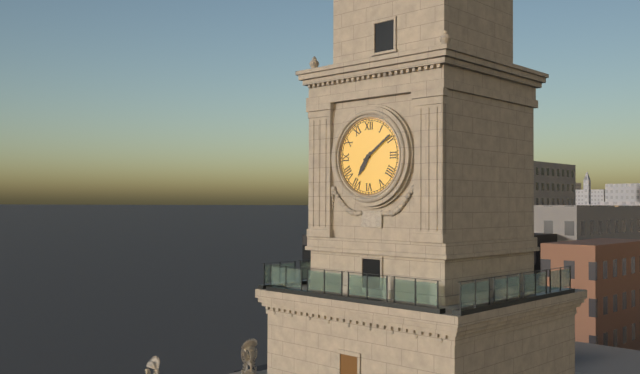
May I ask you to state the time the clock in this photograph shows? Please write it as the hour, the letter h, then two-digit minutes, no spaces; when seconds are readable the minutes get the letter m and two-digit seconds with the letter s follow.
7h09
